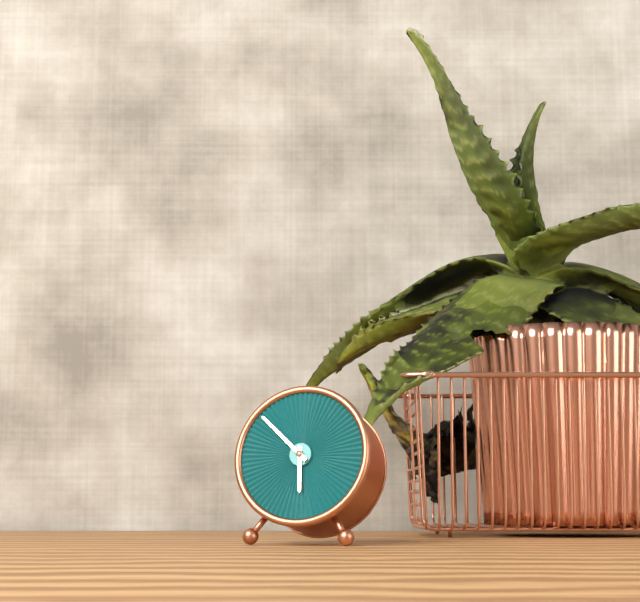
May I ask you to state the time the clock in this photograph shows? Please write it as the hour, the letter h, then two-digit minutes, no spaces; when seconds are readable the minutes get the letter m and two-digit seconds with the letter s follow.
5h52
